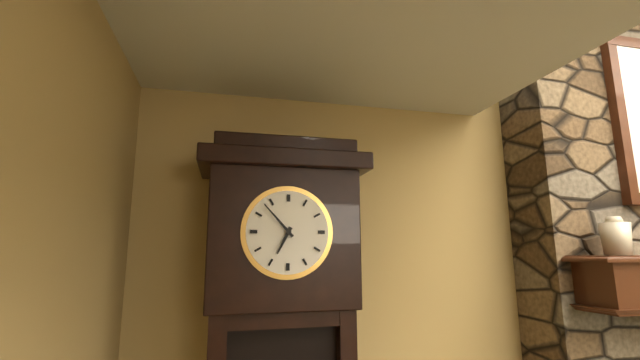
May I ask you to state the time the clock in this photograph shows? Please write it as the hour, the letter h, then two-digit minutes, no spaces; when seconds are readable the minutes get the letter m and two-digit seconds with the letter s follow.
6h53
